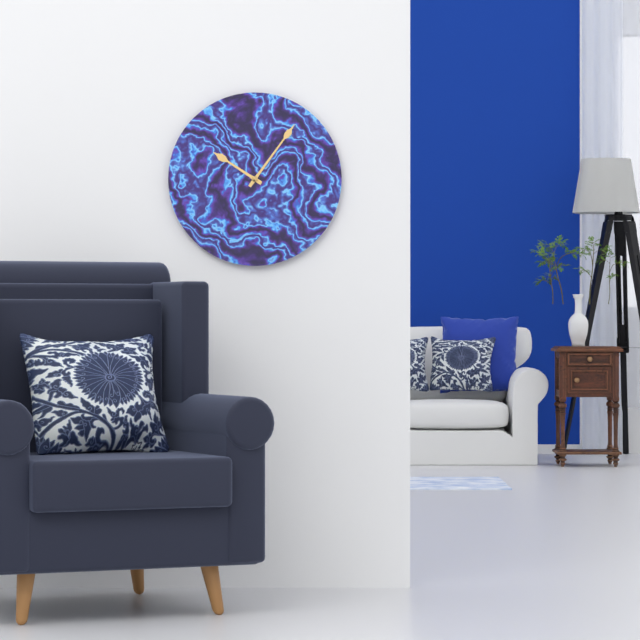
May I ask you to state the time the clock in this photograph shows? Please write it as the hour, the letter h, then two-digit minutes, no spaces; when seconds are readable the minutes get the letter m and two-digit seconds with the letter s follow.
10h06
